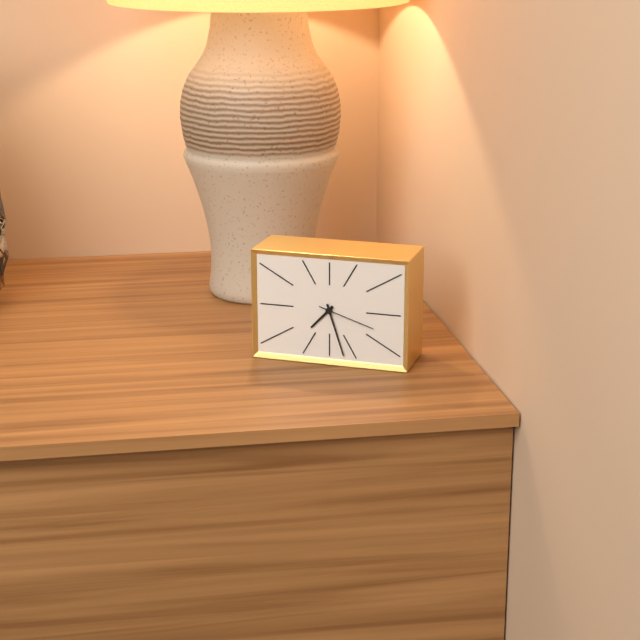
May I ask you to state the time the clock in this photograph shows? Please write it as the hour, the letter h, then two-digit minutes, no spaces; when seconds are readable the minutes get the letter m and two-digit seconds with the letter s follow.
7h27m18s
